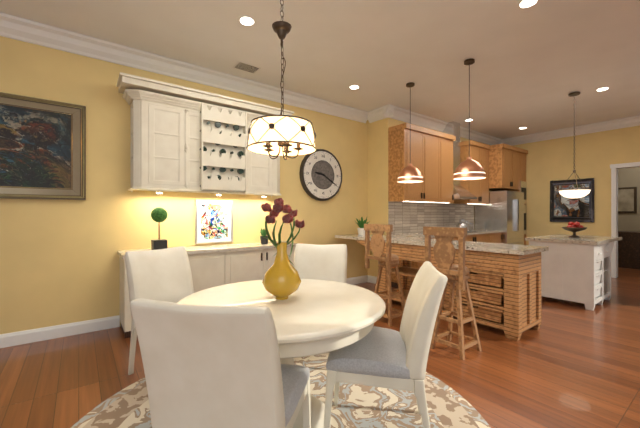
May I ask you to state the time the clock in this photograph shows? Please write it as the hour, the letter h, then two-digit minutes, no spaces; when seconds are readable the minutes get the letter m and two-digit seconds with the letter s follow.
9h20
